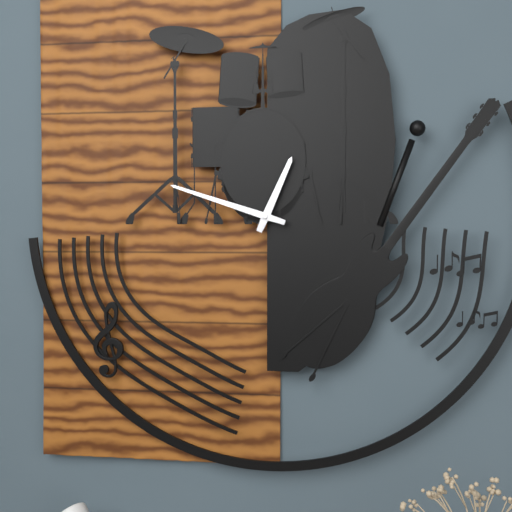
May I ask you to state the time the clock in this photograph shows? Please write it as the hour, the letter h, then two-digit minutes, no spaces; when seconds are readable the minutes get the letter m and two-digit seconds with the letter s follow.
12h48
